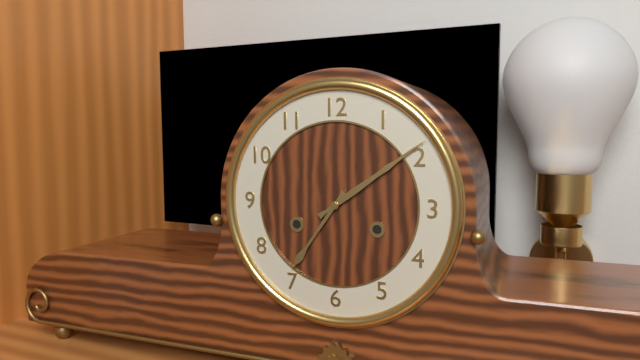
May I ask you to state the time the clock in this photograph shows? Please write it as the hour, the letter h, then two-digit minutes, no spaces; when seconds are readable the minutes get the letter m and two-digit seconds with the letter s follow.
7h09
